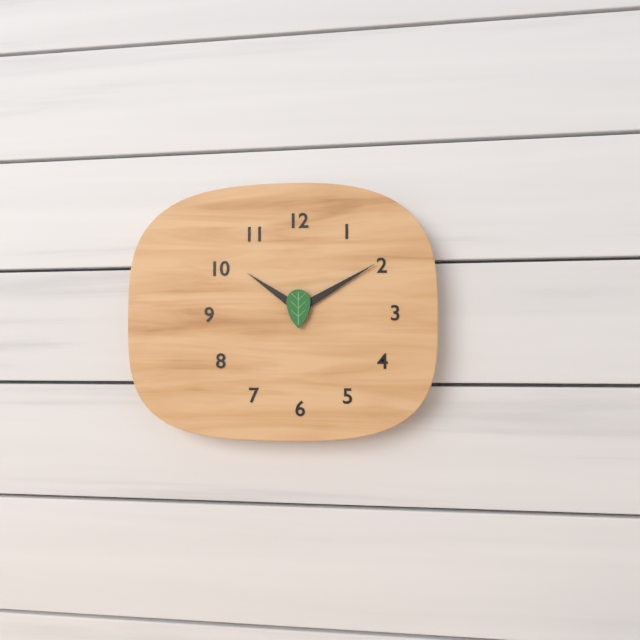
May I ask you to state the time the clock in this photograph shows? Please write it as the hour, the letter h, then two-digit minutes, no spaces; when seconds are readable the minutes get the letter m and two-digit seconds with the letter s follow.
10h10
